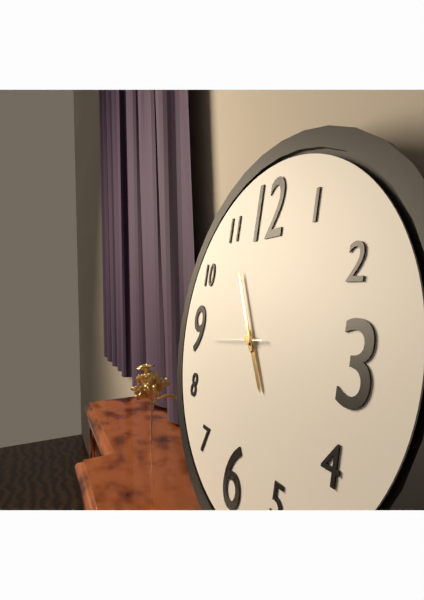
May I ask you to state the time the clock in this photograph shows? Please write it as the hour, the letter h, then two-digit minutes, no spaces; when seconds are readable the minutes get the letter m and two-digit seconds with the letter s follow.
4h55
